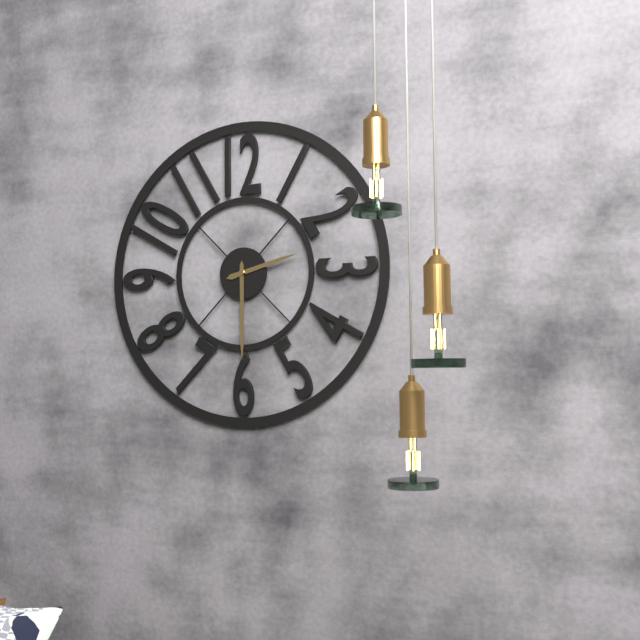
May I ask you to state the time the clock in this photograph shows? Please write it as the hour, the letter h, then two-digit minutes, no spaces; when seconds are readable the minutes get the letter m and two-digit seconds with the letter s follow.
2h30
